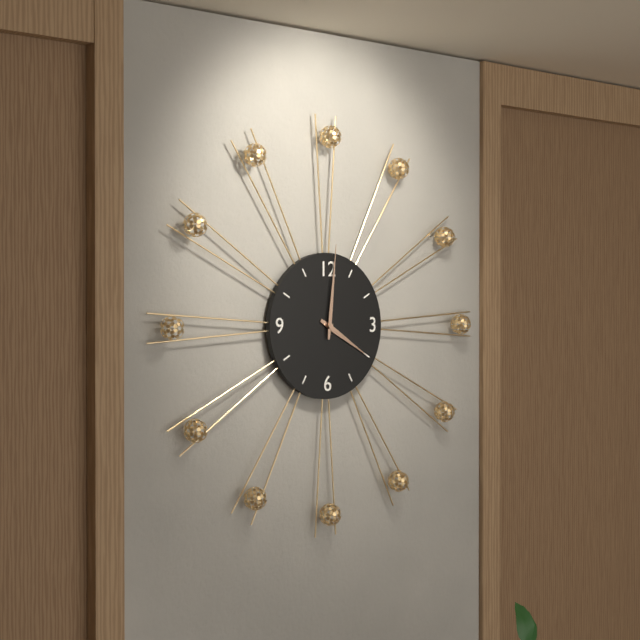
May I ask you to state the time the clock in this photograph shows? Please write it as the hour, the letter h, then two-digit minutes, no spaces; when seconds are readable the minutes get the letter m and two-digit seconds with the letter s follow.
4h01
